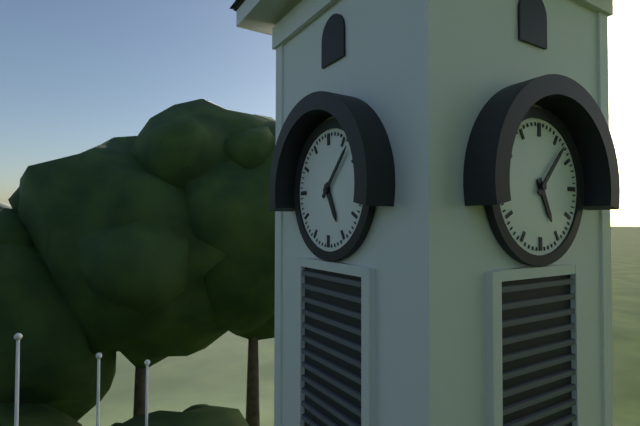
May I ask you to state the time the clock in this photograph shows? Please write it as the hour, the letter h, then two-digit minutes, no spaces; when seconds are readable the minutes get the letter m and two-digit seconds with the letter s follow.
5h07
